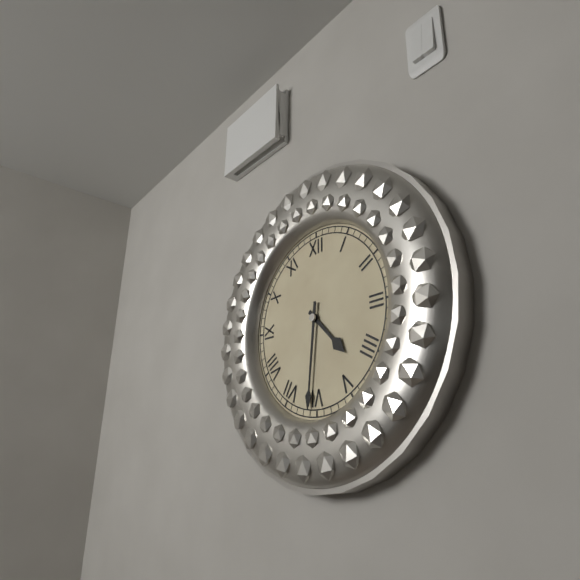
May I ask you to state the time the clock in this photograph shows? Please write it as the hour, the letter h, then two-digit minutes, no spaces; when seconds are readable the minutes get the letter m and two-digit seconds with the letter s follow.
4h31
